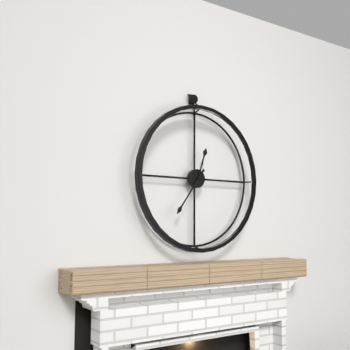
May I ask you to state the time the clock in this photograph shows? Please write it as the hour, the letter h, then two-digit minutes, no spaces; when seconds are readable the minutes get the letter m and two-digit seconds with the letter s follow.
12h36
